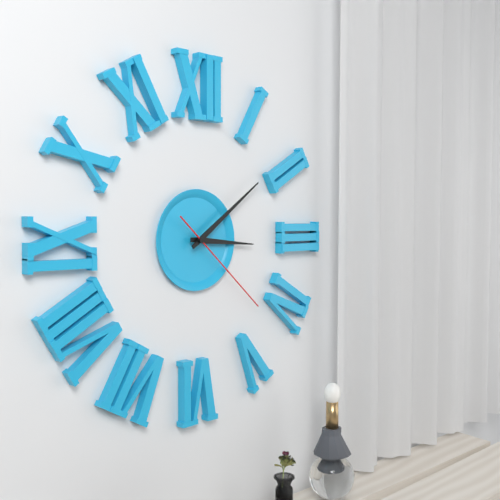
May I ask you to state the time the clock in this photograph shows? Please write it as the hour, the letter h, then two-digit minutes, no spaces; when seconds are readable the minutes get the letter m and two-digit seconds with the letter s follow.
3h09m22s
